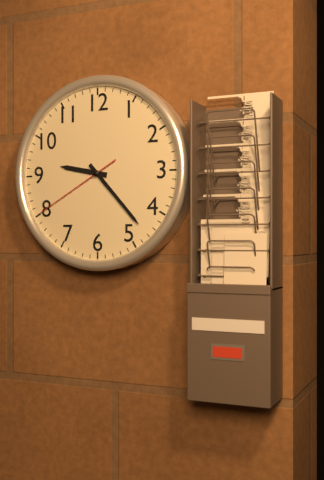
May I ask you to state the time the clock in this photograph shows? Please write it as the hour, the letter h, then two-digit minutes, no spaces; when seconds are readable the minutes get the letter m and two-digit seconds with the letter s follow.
9h23m40s
